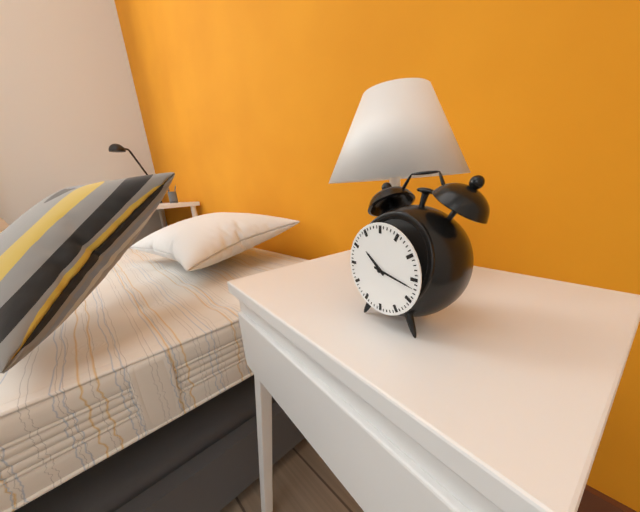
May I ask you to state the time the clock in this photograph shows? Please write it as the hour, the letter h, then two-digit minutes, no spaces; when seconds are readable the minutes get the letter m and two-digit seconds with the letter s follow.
10h17
